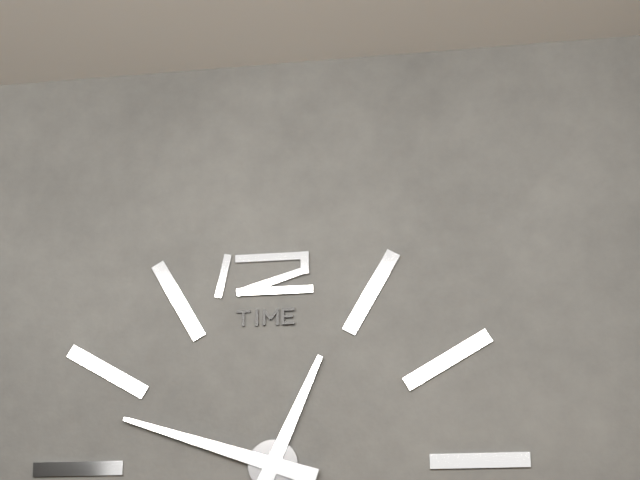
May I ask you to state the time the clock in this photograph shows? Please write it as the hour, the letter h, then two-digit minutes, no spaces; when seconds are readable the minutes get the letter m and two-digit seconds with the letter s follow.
12h48
